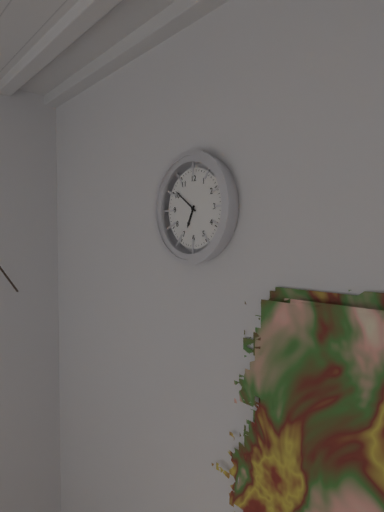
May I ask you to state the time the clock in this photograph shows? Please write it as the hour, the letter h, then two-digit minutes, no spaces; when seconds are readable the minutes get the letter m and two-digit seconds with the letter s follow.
6h51
